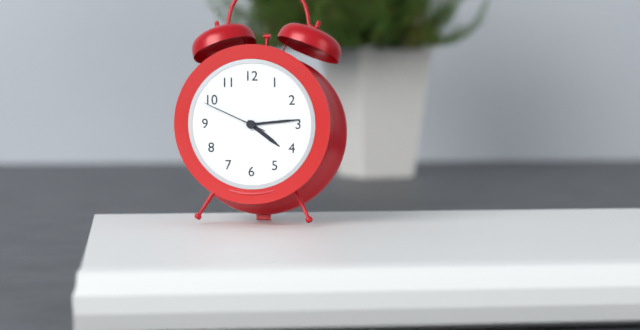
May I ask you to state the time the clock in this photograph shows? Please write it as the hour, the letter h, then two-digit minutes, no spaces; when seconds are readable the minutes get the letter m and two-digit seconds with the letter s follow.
4h14m49s
